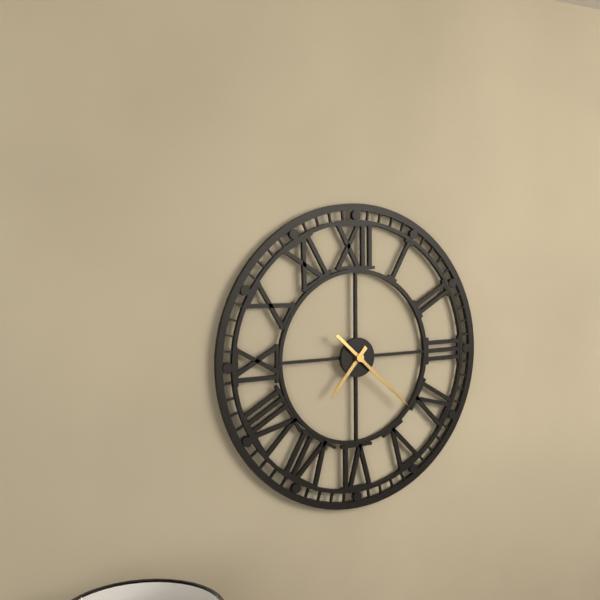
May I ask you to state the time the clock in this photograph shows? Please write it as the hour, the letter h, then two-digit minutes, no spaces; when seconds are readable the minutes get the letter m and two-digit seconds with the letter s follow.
7h22
